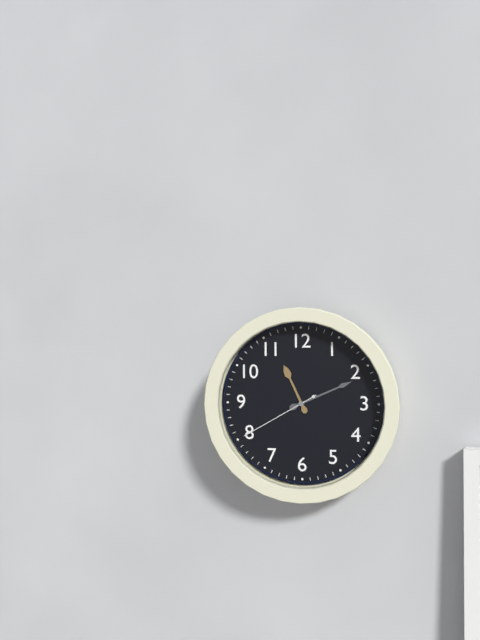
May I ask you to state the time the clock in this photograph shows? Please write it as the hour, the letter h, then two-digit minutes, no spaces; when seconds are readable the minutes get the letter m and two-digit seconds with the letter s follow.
11h11m40s
